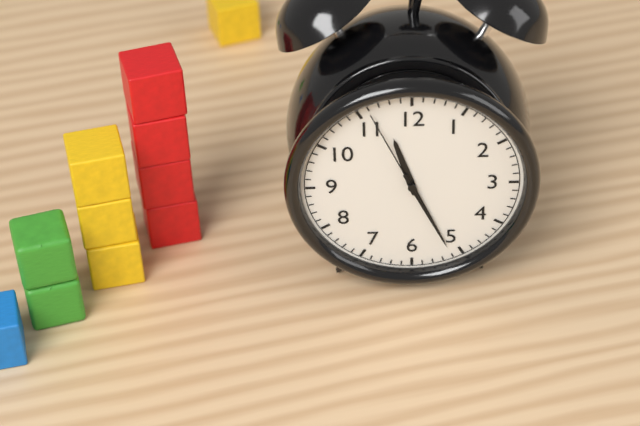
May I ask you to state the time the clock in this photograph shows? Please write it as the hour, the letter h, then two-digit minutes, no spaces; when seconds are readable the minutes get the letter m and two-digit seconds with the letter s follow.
11h26m56s
